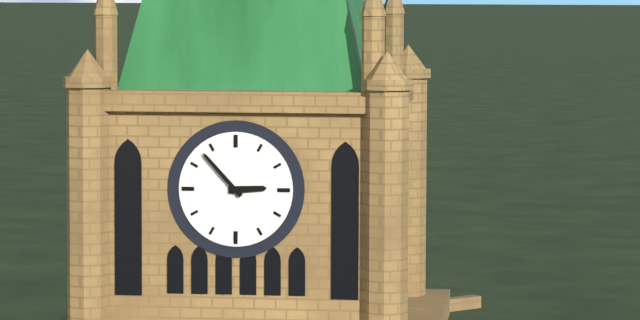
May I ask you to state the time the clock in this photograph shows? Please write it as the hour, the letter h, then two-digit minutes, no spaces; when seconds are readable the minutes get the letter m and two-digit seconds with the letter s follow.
2h53
